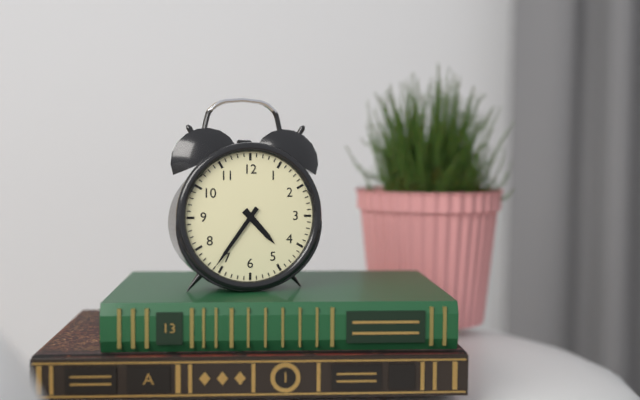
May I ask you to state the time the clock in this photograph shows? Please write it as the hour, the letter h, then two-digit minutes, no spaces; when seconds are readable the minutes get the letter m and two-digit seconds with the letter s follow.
4h36
